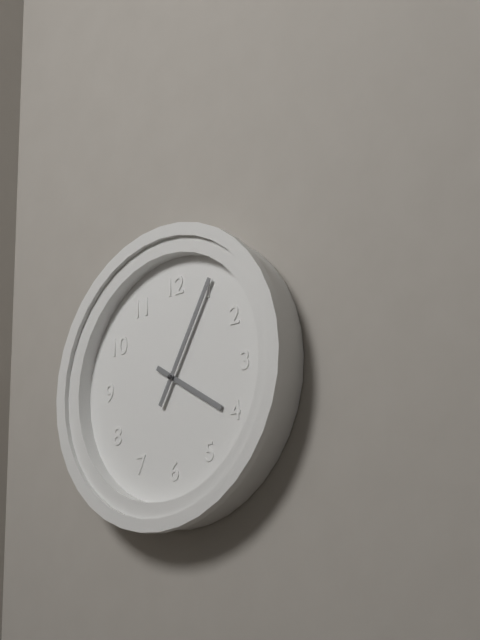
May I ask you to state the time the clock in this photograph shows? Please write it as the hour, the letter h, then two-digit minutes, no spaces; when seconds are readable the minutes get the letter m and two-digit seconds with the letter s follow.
4h05
